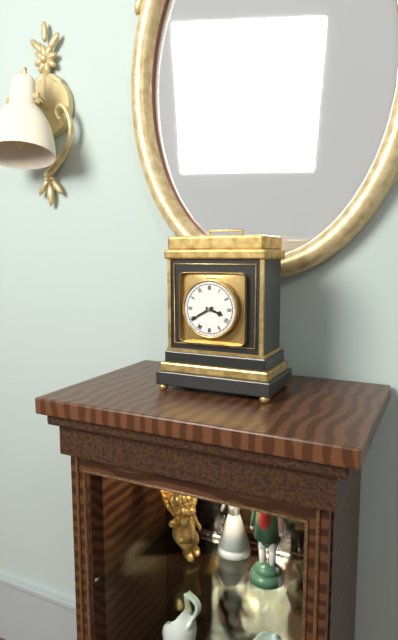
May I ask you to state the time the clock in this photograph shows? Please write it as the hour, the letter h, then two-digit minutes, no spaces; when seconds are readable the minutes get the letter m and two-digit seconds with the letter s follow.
3h40
